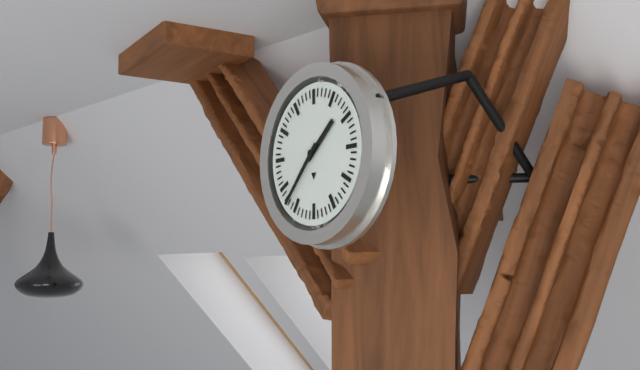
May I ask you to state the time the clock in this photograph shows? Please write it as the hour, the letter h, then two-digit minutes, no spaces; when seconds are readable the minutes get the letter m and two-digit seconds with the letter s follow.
1h37
